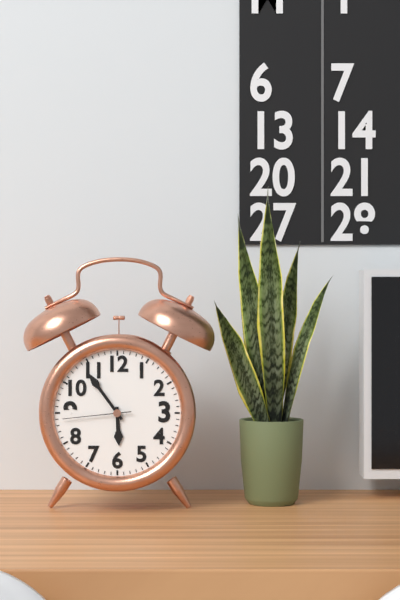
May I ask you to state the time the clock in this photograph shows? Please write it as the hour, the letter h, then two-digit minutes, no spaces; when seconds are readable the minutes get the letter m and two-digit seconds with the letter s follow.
5h54m44s
